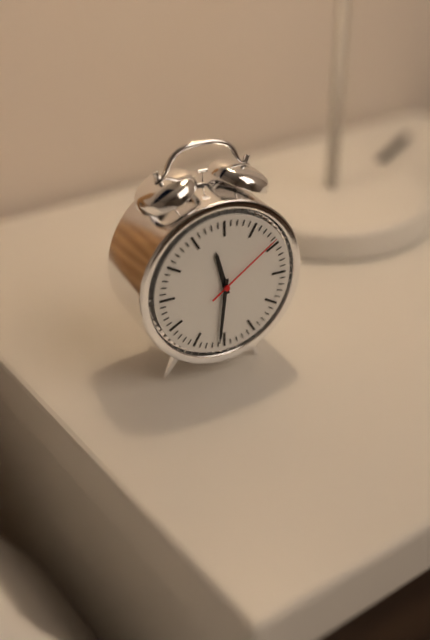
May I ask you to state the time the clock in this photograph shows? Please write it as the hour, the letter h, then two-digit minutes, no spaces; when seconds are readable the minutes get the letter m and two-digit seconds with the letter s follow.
11h31m09s
